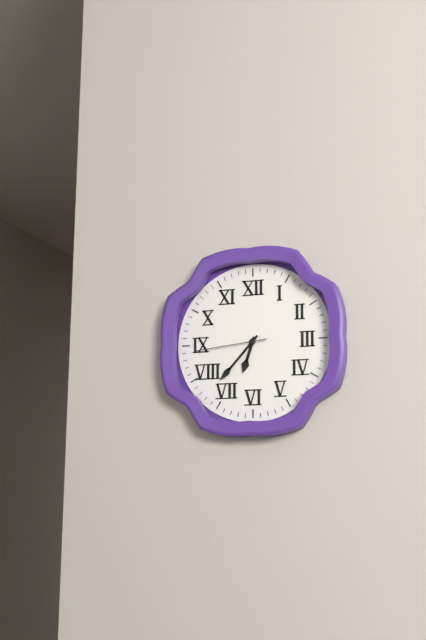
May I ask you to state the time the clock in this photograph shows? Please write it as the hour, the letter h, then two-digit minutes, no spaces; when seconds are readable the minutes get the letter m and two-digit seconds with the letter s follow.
6h37m44s
